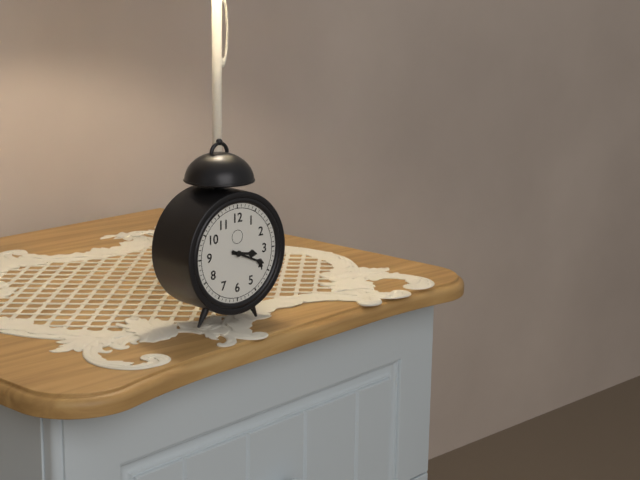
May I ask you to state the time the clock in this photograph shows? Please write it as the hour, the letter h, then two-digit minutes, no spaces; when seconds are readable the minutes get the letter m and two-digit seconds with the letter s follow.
3h19
